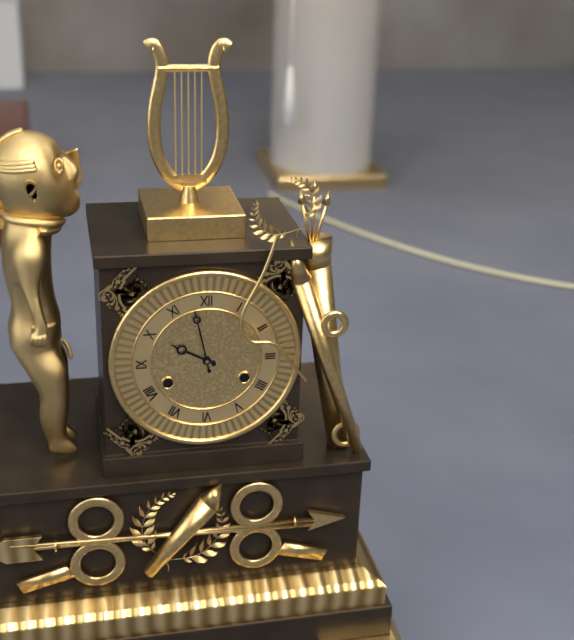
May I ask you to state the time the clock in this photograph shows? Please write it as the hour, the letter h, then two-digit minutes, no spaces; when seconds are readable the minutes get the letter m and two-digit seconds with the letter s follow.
9h58
